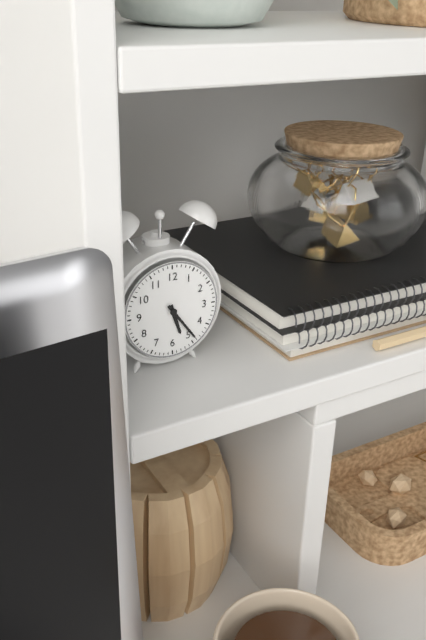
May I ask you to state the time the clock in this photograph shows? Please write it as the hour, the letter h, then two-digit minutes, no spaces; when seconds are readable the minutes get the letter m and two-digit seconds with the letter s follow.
5h24
